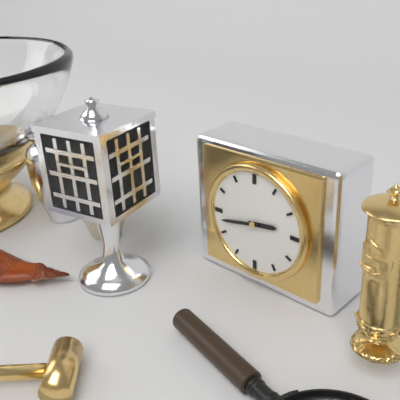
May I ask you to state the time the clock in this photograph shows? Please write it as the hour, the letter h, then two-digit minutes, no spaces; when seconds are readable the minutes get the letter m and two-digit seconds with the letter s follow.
2h43
